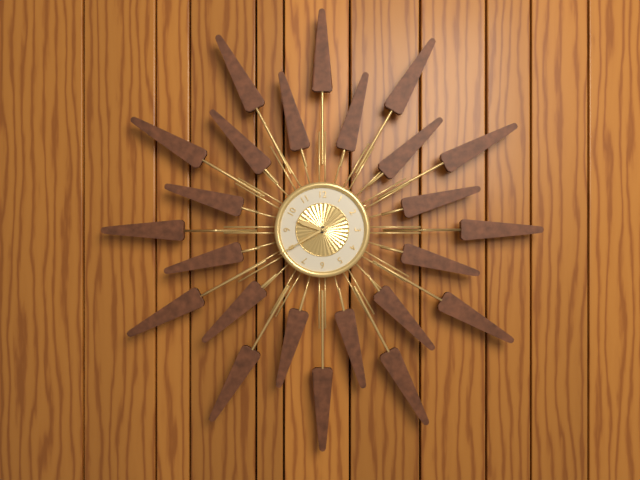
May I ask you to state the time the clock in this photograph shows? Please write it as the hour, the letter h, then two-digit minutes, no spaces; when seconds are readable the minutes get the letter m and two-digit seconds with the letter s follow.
9h40
